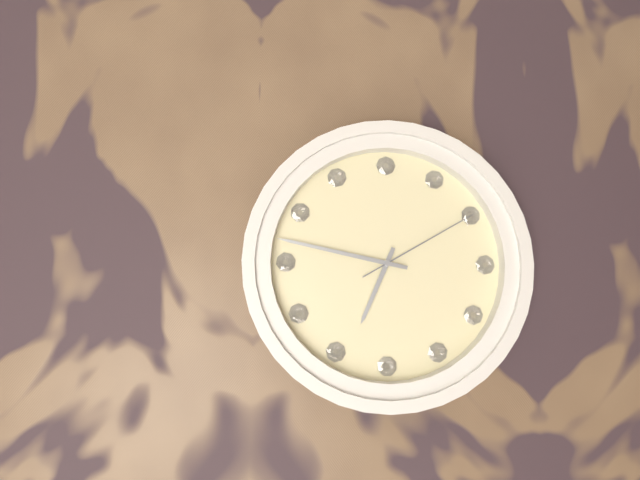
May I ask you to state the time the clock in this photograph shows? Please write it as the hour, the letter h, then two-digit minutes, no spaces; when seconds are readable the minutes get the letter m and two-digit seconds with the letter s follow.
6h47m10s
